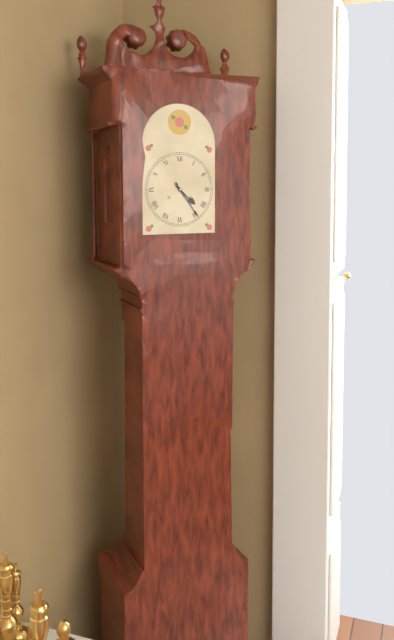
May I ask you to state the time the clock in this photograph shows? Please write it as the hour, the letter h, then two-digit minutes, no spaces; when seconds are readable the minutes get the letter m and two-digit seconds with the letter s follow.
4h24
